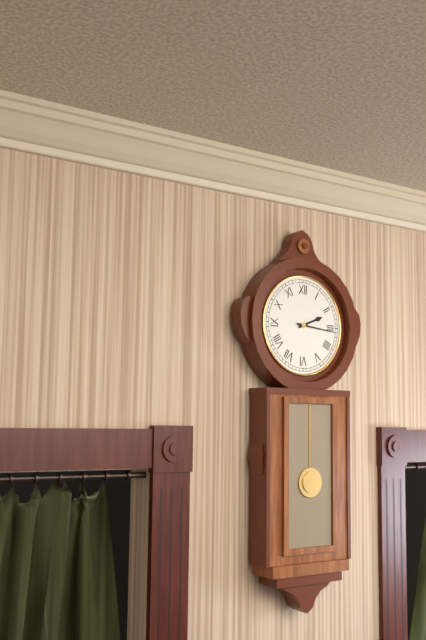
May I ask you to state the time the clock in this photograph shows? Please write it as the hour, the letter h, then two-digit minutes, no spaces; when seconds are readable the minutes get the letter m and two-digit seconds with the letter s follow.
2h16
